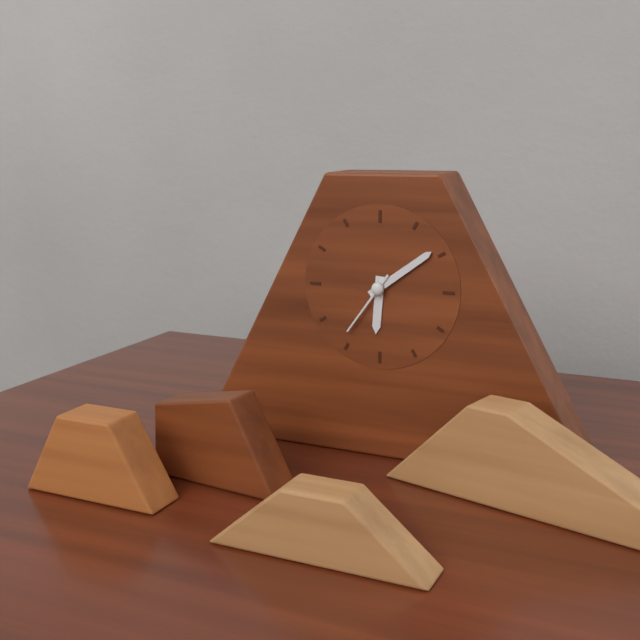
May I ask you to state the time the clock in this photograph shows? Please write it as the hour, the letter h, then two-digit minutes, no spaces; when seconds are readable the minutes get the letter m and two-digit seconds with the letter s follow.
6h09m36s
